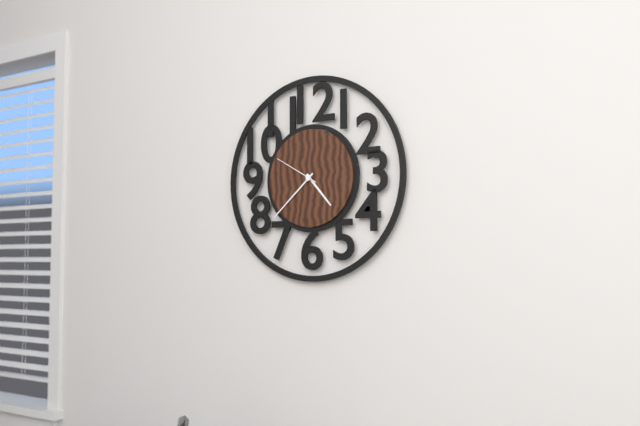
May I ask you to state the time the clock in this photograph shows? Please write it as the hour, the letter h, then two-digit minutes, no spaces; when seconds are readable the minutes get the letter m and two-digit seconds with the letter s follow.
4h38
